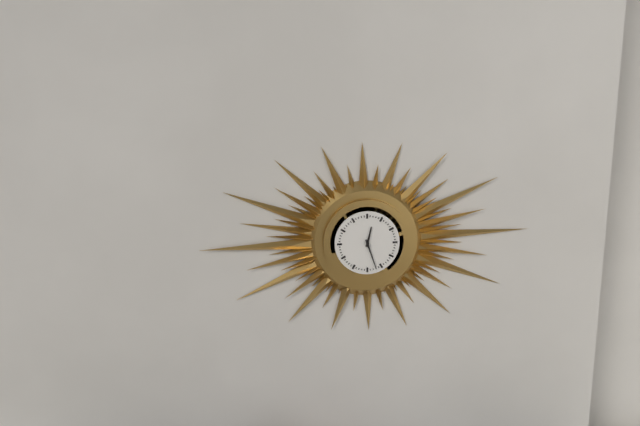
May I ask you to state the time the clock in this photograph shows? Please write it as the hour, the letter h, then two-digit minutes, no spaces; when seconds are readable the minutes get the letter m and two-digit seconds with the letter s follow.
12h27
